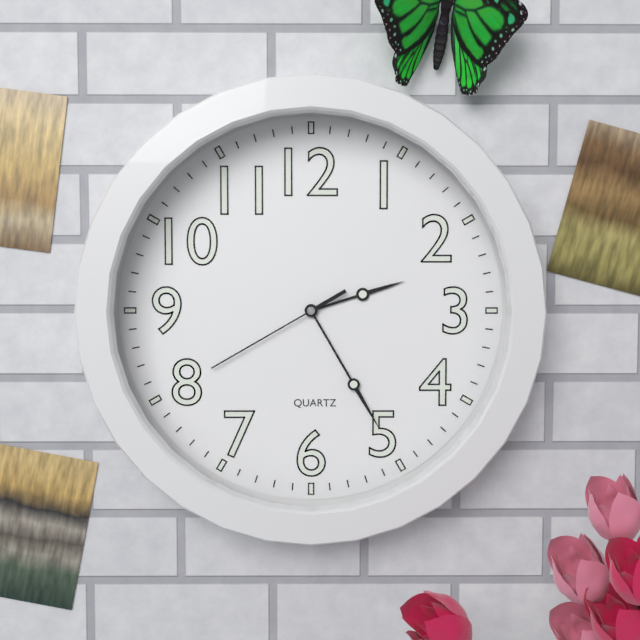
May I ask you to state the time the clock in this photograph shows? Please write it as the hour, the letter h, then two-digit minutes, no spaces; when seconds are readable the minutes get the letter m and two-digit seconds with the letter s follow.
2h25m40s
